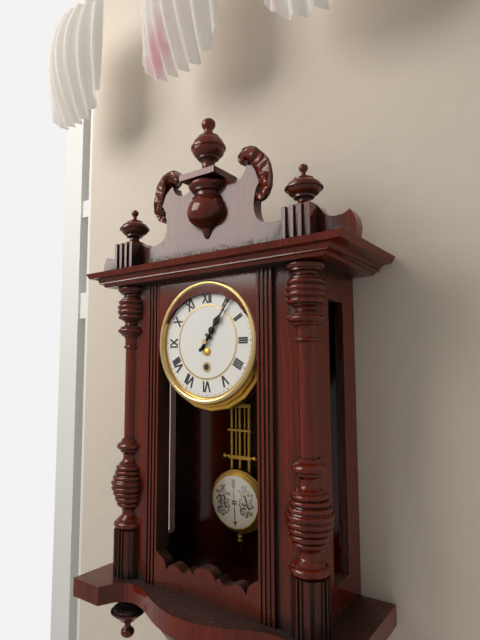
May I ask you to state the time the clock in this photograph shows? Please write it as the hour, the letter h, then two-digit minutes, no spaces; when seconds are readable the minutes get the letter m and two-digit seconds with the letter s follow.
1h06
